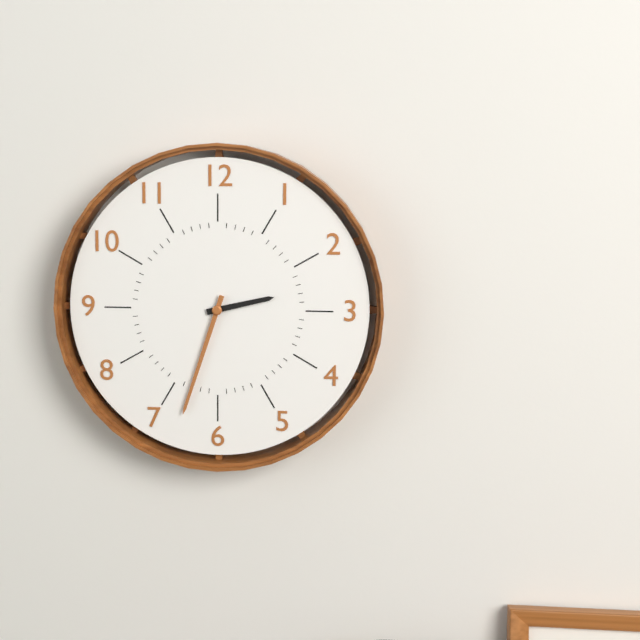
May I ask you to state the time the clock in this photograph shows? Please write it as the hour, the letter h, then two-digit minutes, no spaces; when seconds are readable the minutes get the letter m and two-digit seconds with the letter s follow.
2h33
